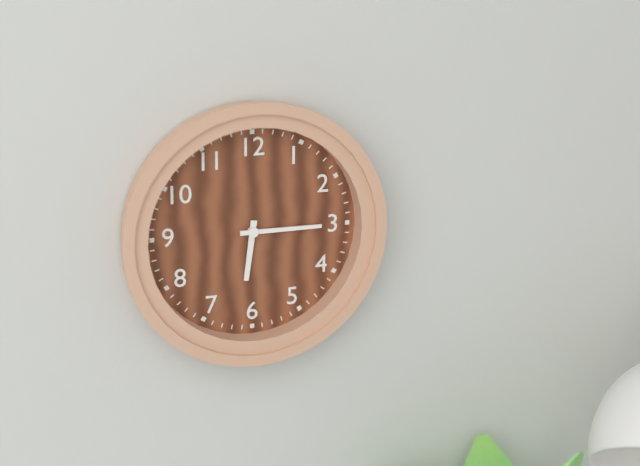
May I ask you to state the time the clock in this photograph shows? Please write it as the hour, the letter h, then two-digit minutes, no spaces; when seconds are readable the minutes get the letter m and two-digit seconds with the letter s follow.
6h15
